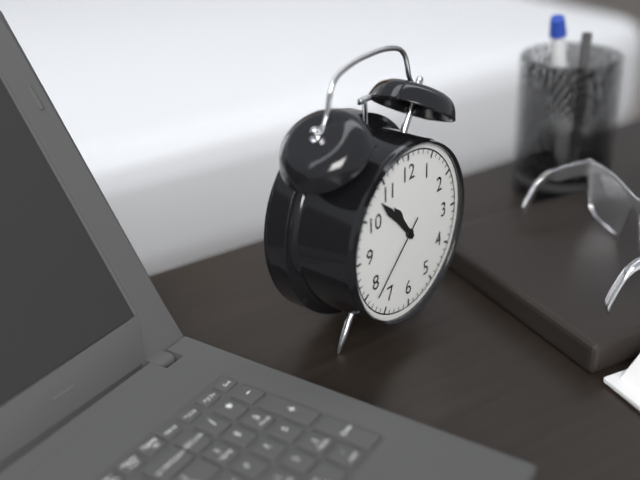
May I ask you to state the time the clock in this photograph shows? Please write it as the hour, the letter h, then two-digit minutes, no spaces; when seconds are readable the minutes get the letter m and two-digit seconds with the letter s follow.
10h53m38s
